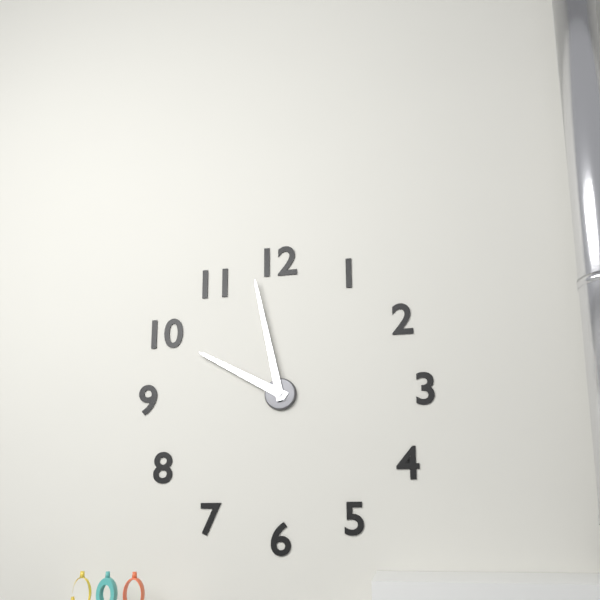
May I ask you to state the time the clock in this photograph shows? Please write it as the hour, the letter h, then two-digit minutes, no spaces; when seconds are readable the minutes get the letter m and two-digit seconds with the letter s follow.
9h58
